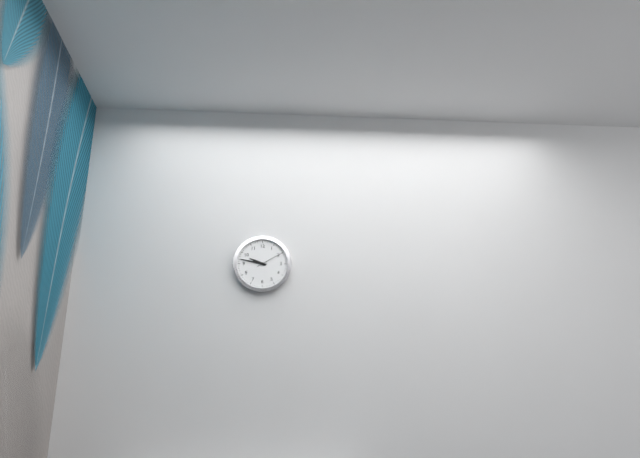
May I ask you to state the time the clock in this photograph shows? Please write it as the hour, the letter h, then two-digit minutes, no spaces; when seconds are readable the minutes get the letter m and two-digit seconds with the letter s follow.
9h47
